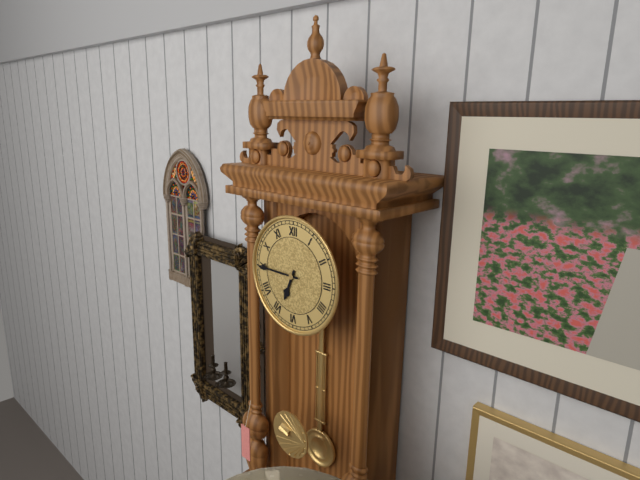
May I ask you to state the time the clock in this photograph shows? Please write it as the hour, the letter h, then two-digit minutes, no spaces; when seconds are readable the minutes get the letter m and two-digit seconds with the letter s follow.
6h45
